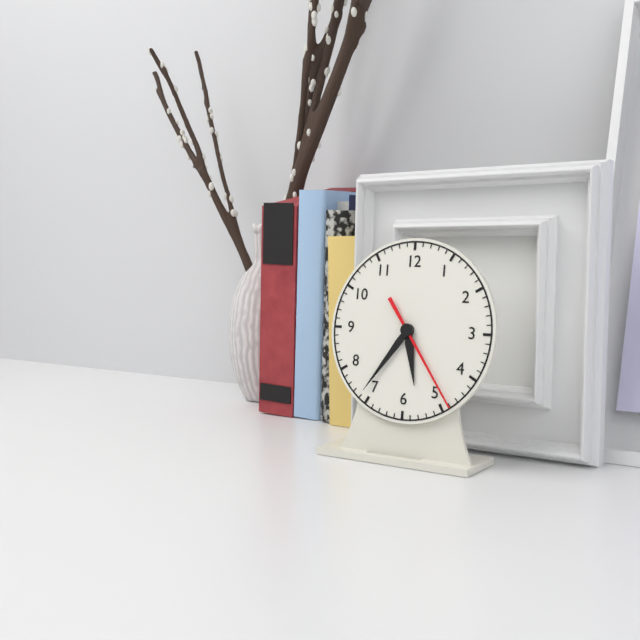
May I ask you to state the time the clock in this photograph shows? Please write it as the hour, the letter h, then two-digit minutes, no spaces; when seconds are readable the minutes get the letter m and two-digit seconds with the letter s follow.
5h36m24s
